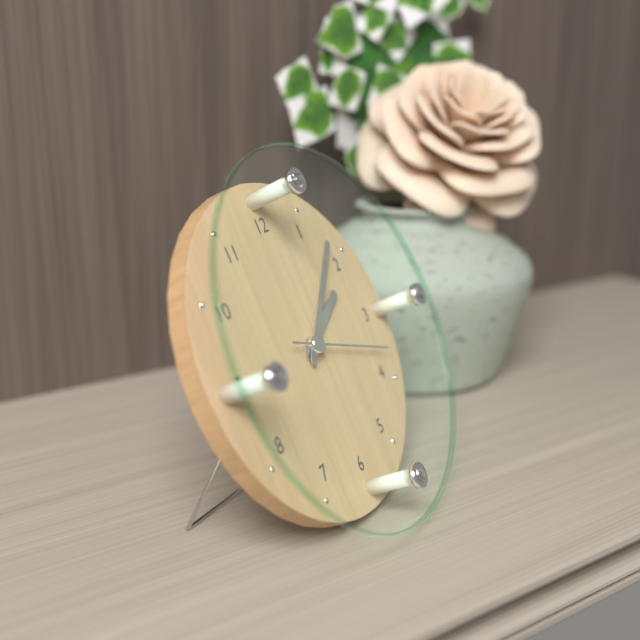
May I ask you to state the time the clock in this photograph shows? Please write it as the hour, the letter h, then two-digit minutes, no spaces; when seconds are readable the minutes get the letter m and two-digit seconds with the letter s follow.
2h08m18s
